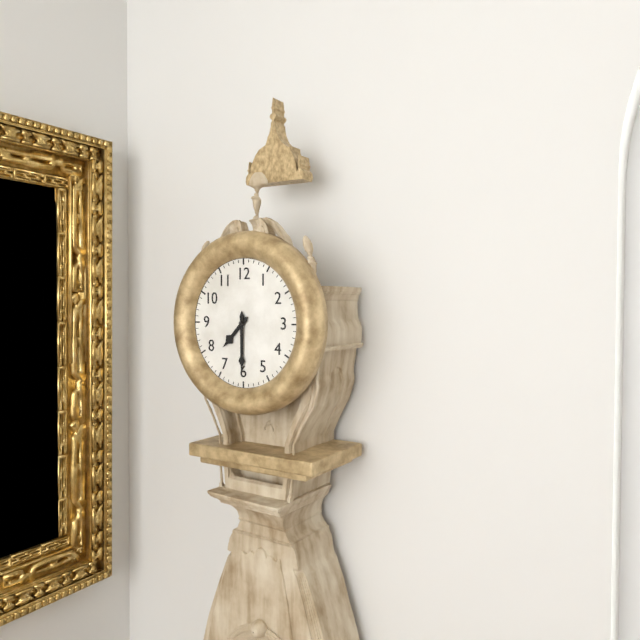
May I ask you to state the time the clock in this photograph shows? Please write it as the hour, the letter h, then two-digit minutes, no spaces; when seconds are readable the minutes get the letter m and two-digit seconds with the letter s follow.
7h30
